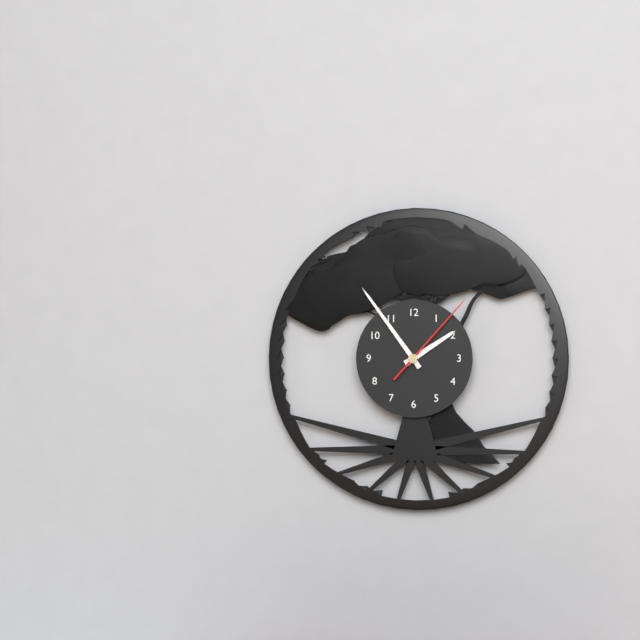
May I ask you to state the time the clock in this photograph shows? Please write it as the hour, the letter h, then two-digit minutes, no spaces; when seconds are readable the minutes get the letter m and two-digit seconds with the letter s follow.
1h54m07s
